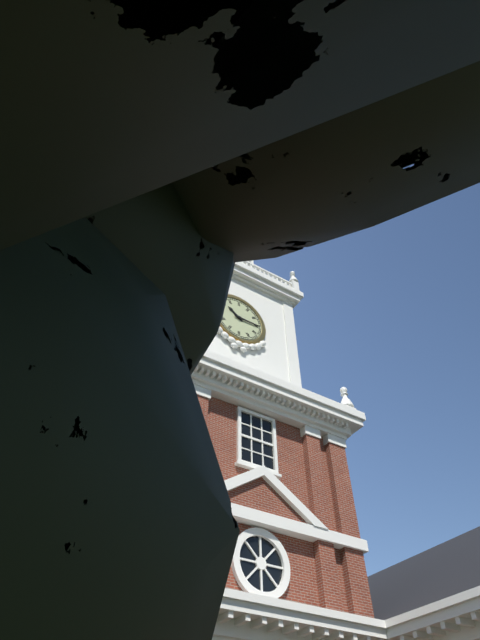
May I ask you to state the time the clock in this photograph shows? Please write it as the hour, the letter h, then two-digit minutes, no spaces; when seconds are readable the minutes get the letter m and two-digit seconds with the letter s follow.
10h15
